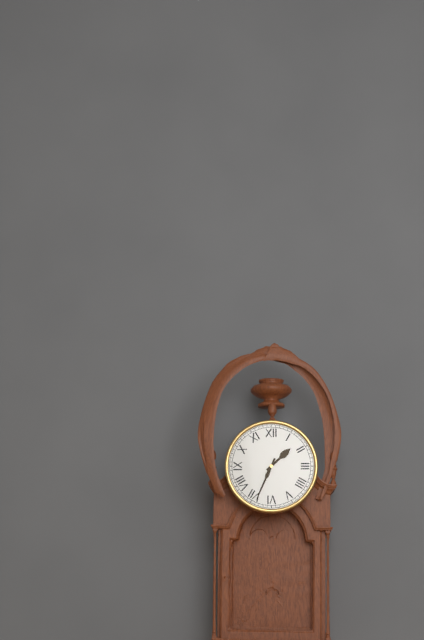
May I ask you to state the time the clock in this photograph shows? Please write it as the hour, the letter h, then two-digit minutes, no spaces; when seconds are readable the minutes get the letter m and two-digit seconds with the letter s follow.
1h34
